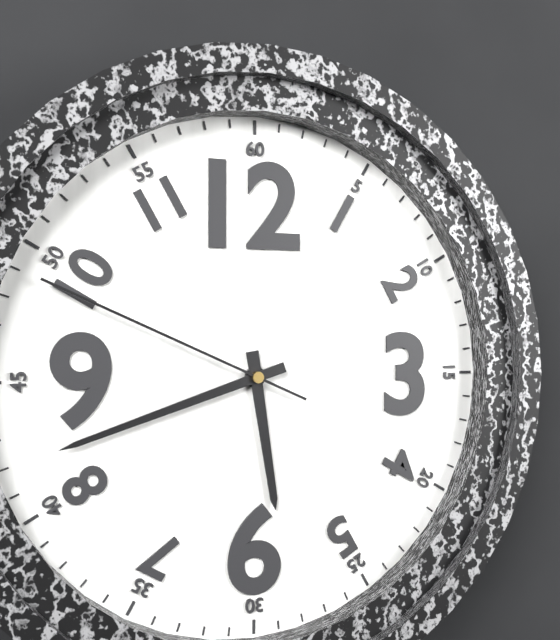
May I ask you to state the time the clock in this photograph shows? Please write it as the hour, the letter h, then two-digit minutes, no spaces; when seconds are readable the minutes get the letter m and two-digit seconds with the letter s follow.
5h42m49s
